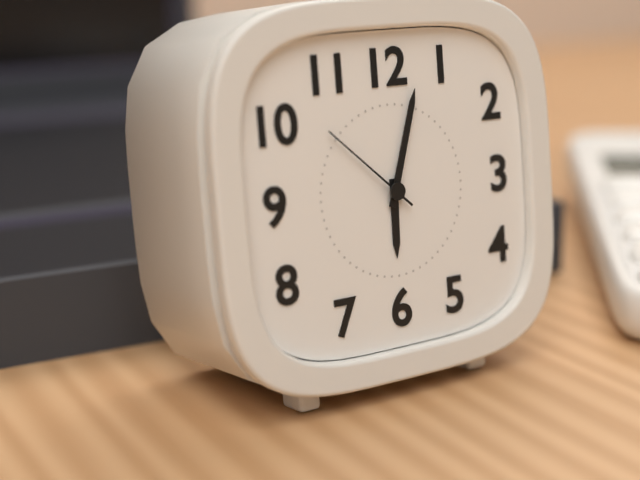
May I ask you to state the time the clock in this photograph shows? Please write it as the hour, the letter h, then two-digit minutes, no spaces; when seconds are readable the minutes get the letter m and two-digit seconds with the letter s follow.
6h03m52s
